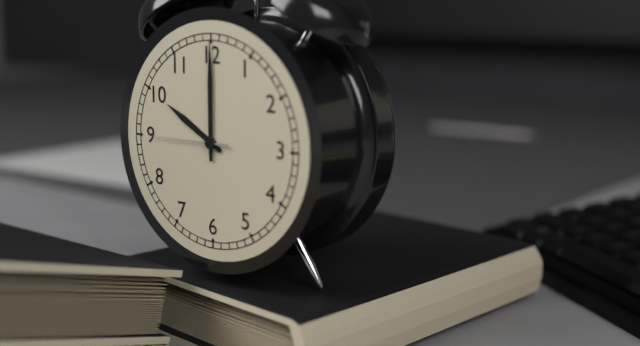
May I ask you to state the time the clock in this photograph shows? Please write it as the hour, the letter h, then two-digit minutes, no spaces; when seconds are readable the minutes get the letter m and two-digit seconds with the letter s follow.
10h00m45s
